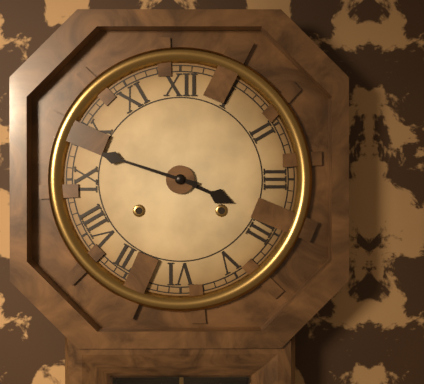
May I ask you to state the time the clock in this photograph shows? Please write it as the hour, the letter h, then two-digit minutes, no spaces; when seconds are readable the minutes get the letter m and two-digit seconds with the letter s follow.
3h48
